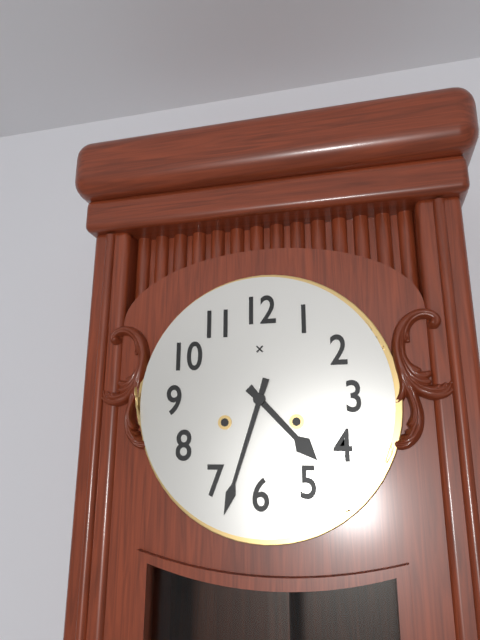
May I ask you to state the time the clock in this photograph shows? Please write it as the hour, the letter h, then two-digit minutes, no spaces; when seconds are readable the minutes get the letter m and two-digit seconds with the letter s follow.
4h33
